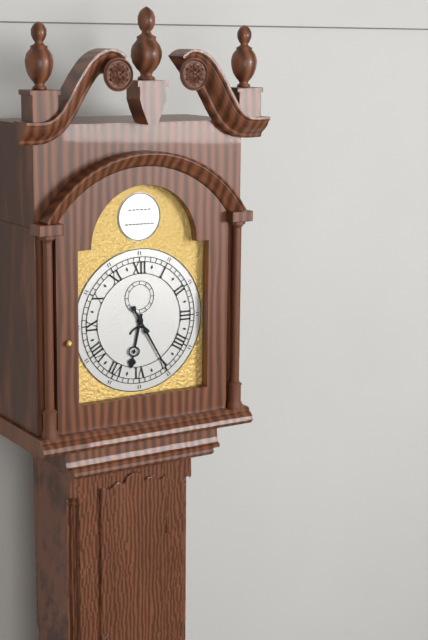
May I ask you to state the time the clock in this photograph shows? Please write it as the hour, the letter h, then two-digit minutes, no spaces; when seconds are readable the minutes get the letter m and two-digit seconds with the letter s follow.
6h25
